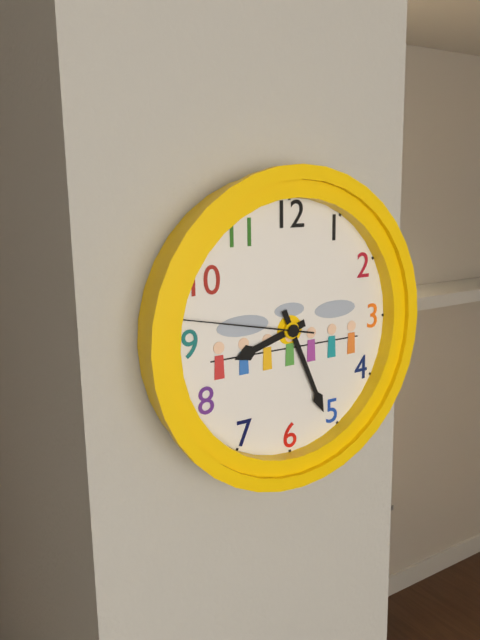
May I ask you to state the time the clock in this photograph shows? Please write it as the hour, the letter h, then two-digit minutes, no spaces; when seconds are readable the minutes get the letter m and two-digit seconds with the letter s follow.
8h26m47s
